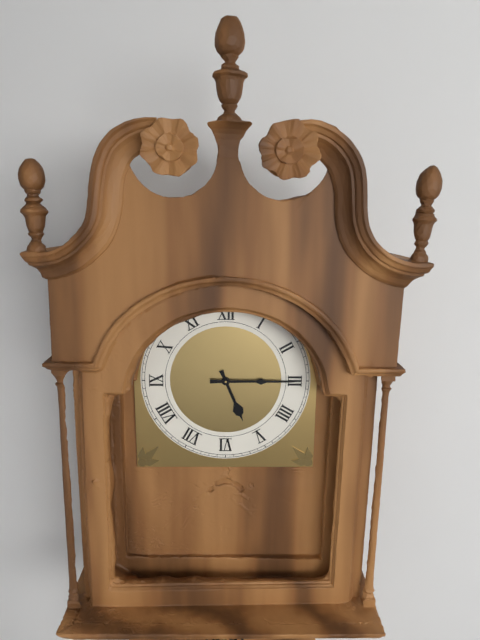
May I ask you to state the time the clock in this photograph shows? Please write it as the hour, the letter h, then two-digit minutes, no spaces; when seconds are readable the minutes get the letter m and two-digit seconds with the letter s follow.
5h15
